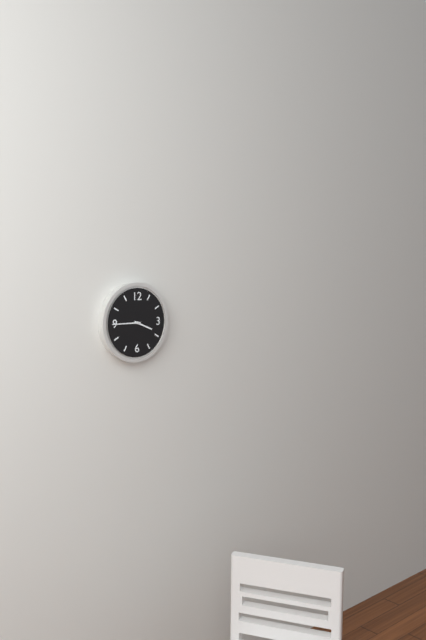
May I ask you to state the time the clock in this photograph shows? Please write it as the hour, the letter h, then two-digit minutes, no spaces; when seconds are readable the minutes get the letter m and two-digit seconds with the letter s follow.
3h45
